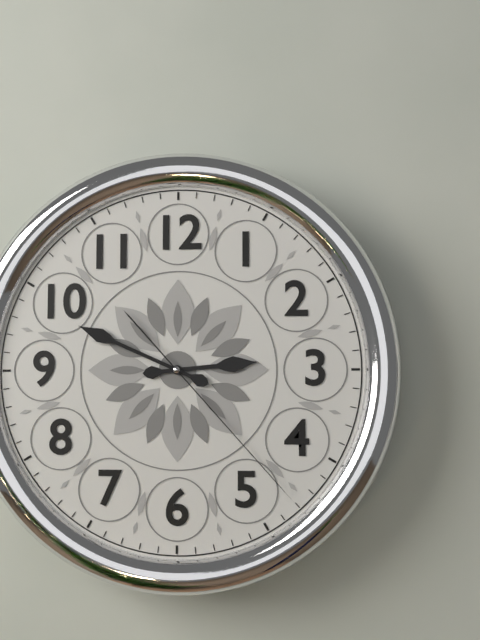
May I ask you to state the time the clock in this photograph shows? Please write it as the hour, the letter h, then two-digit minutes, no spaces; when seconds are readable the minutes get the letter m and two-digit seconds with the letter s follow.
2h49m23s
